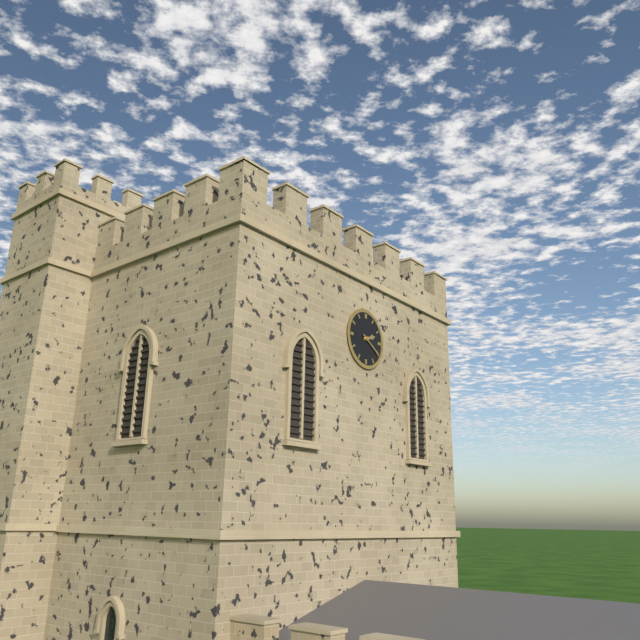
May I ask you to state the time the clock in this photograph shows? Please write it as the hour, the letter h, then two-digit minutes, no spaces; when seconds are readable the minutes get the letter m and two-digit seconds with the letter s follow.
2h20
